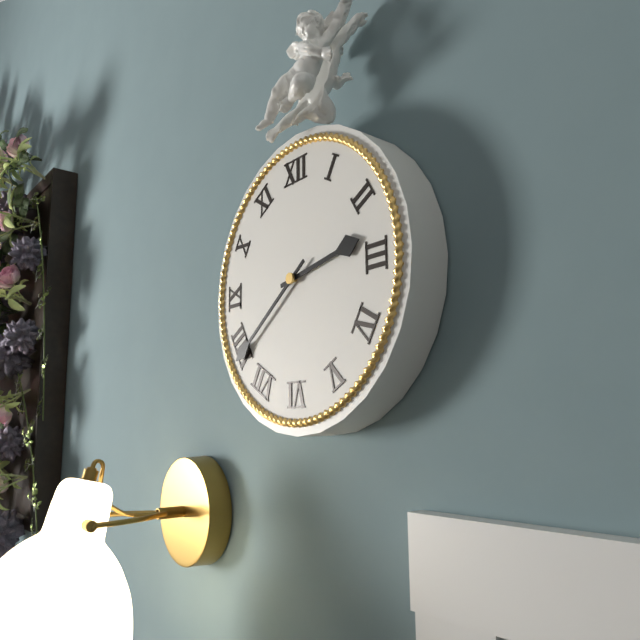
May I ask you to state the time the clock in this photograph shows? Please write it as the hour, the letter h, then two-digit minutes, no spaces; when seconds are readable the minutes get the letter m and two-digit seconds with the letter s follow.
2h39
